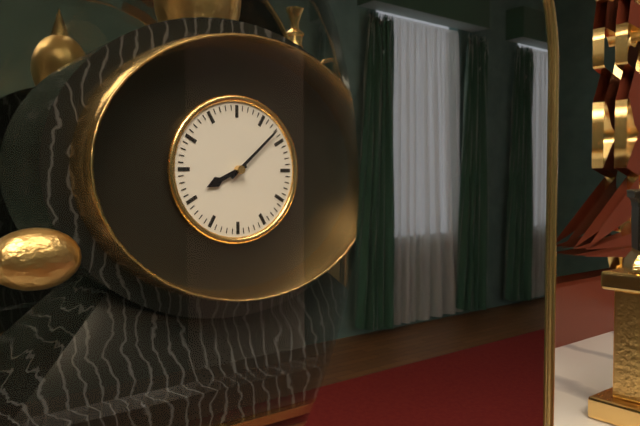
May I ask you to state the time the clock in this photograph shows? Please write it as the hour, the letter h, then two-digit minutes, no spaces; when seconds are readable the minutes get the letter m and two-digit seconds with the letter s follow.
8h08
